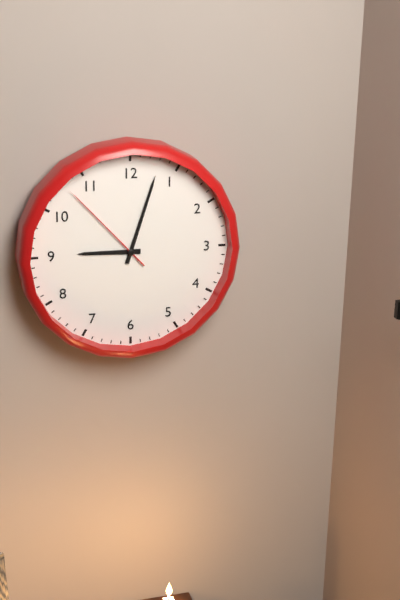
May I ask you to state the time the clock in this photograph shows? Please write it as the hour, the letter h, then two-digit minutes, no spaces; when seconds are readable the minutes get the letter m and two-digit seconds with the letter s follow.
9h03m53s
